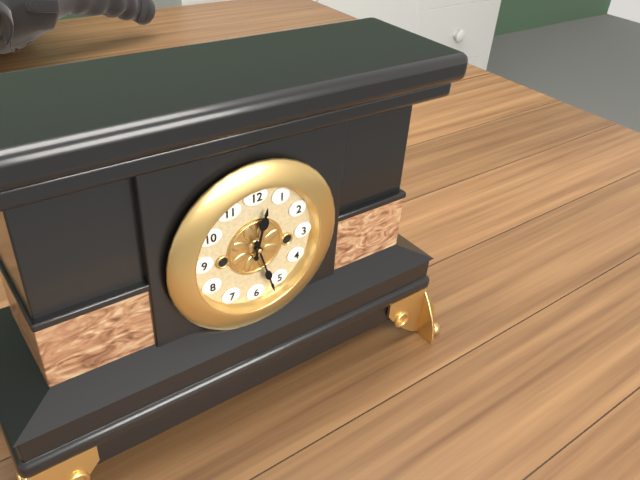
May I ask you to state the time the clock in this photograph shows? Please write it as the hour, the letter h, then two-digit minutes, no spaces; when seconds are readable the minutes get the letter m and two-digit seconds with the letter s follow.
12h27
